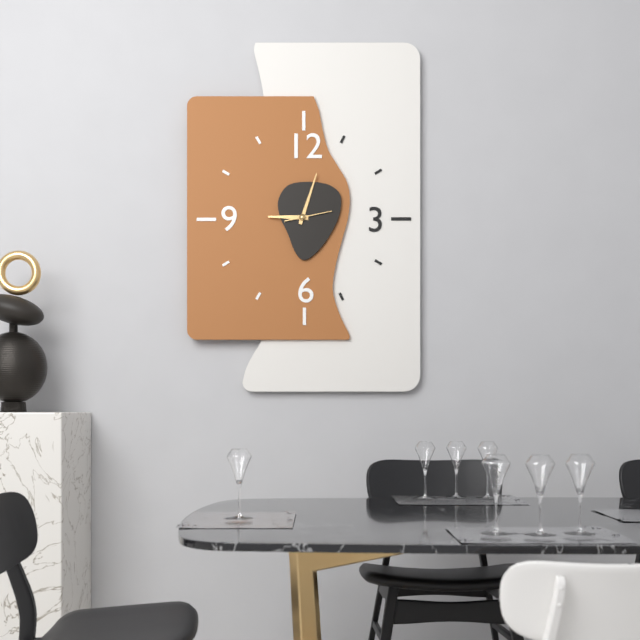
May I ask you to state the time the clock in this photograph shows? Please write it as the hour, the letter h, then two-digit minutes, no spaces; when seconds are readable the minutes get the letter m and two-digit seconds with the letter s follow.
9h03
